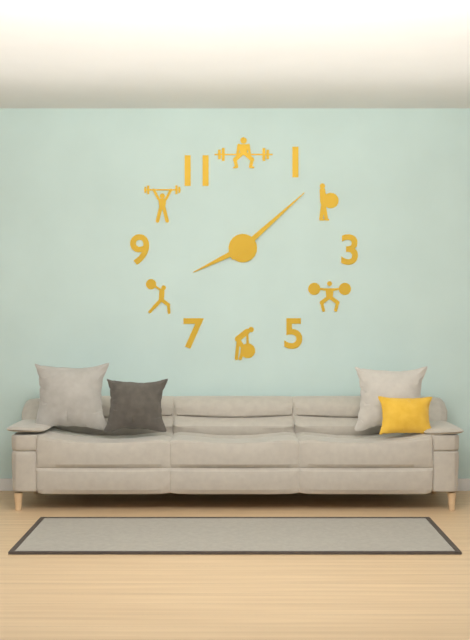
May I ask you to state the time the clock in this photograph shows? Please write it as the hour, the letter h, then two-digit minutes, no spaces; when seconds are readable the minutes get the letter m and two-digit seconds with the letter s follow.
8h08
